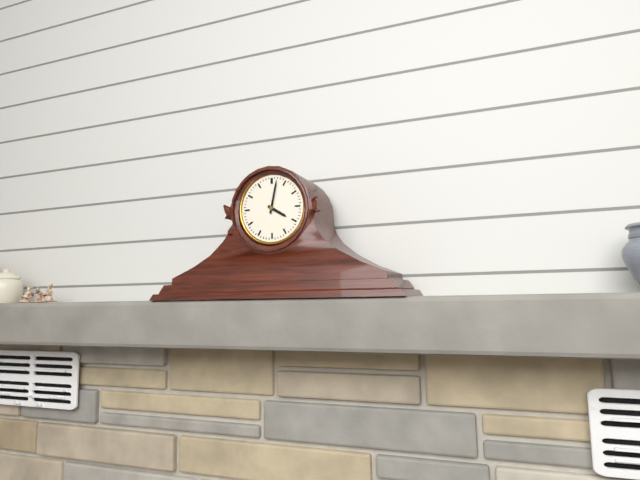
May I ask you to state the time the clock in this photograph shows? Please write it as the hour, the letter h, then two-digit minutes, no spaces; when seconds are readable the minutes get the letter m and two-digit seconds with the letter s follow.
4h02
